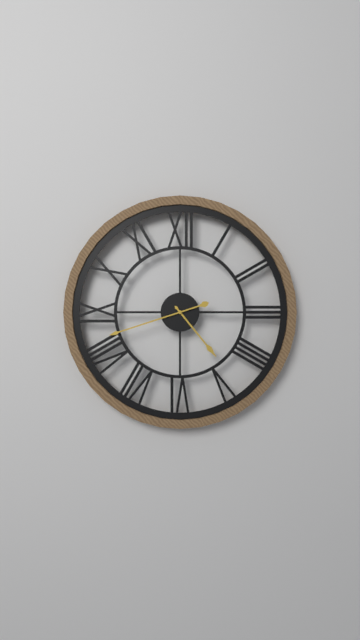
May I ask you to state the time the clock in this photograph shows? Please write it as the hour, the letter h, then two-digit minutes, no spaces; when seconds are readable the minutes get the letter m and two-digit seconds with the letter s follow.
4h42
